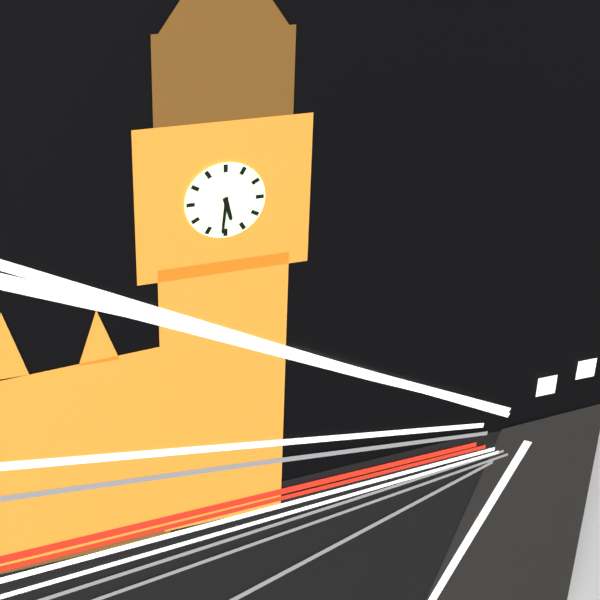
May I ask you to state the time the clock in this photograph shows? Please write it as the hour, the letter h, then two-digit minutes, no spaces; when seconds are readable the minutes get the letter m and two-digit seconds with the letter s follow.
5h31
